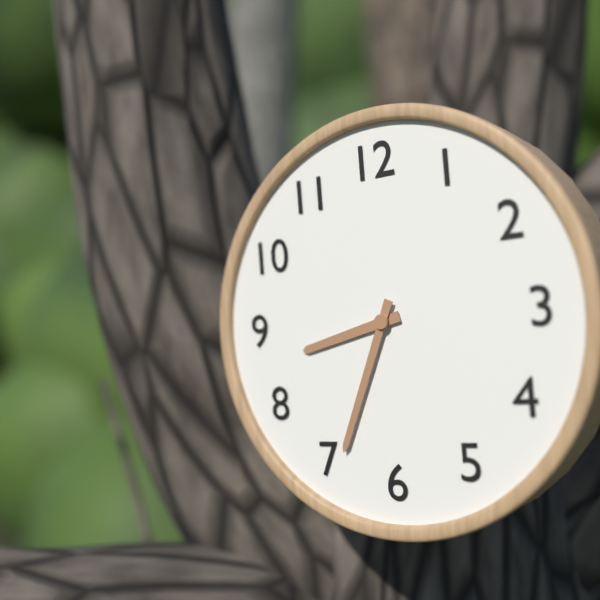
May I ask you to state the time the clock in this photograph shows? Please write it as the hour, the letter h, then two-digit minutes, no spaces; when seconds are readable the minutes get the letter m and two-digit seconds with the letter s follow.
8h34
